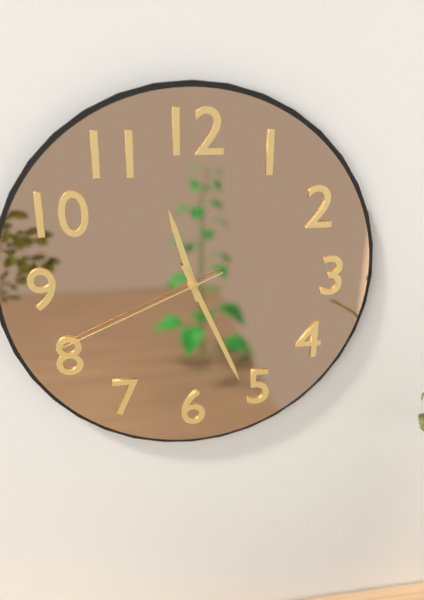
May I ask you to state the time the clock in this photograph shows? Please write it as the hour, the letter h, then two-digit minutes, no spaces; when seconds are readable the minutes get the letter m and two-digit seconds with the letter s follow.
11h26m41s
